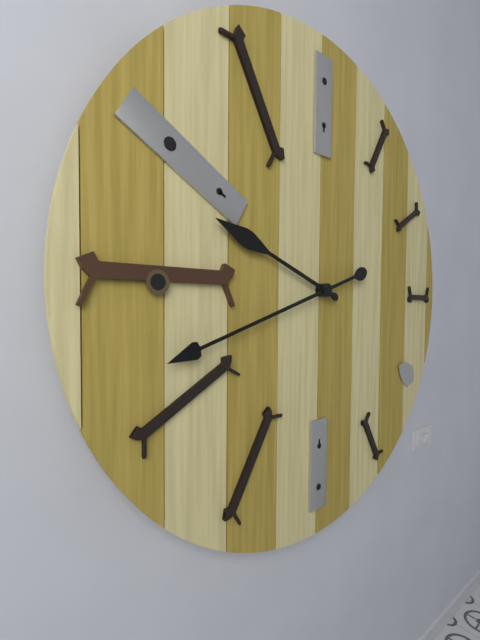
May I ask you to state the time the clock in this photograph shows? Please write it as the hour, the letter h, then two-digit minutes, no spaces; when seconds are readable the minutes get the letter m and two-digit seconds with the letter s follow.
9h42
